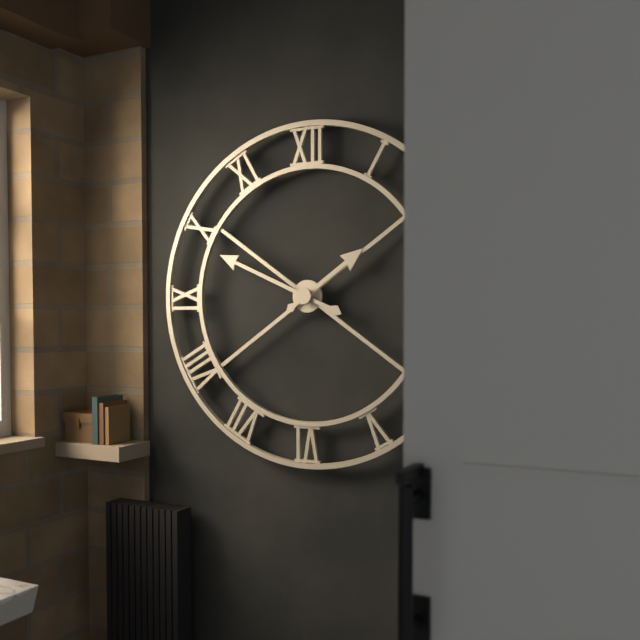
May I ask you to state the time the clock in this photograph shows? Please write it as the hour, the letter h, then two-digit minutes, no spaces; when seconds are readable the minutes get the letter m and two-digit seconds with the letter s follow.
1h49
